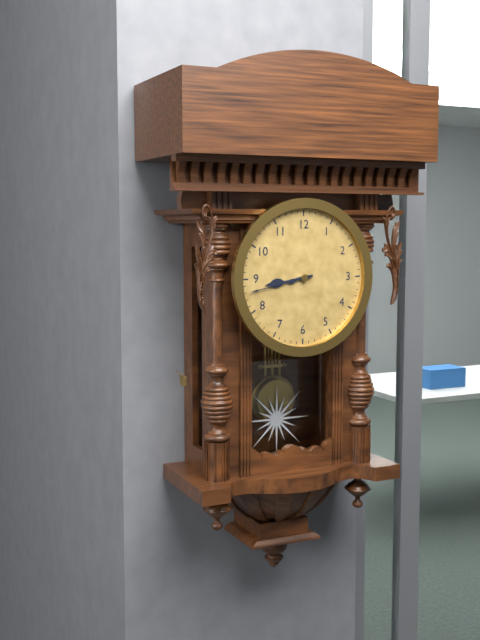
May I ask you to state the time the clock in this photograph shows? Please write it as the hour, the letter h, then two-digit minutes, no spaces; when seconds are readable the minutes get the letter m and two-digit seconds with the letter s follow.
8h43
